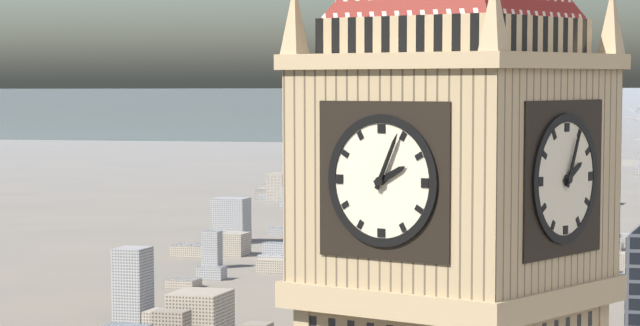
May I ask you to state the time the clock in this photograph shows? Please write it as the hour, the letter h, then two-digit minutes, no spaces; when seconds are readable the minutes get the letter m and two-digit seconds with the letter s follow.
2h04
